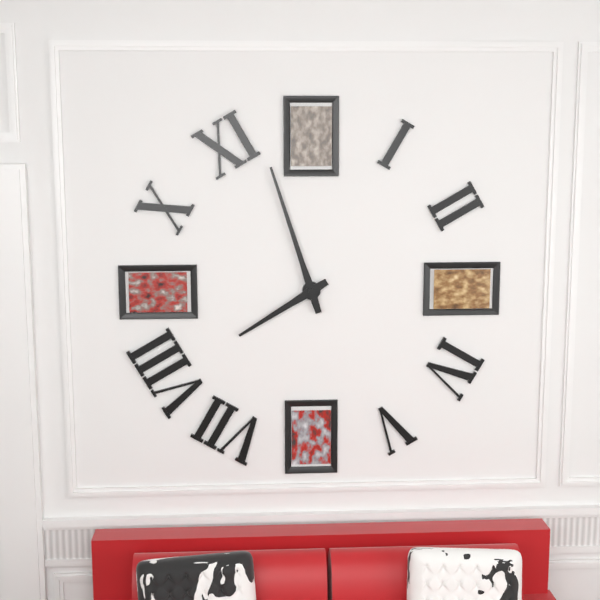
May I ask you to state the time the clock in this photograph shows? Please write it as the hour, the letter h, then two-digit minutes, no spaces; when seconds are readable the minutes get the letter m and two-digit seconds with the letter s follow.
7h57
